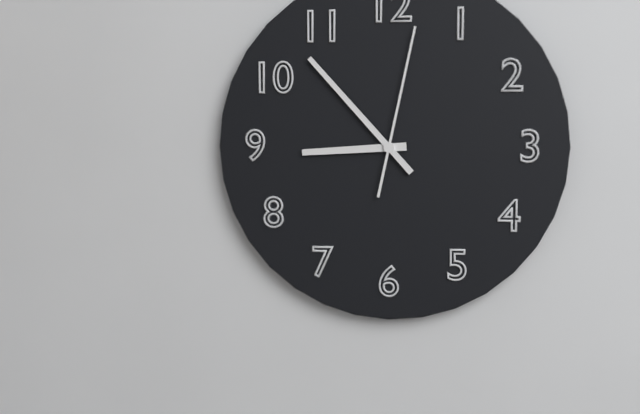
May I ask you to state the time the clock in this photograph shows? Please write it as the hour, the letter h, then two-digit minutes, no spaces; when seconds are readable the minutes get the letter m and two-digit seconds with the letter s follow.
8h53m02s
